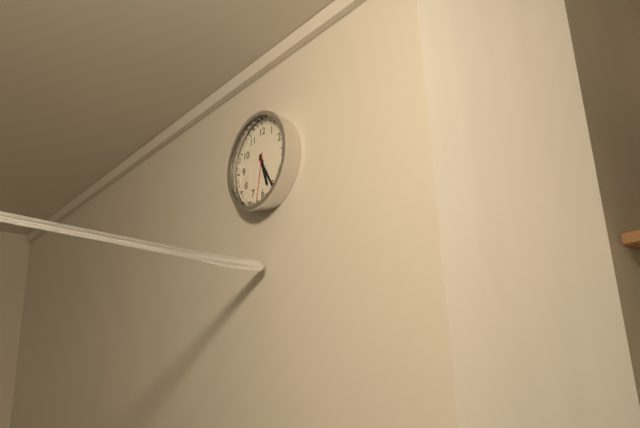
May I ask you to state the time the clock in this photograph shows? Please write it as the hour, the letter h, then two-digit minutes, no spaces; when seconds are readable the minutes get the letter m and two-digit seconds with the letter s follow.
5h25m32s
